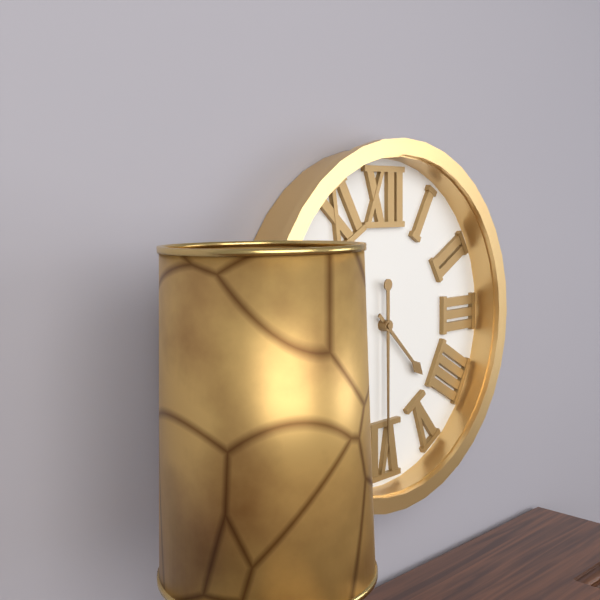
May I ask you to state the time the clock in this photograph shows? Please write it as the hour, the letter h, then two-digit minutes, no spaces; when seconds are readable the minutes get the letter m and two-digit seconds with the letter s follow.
4h30
